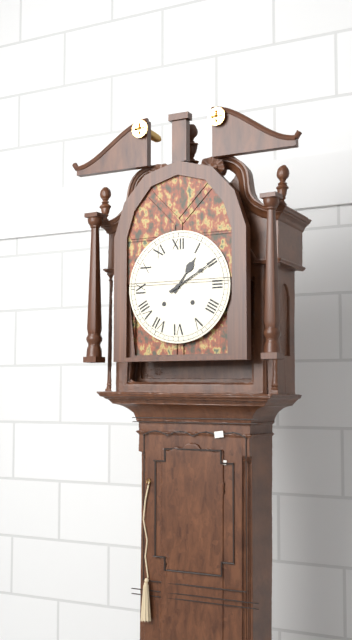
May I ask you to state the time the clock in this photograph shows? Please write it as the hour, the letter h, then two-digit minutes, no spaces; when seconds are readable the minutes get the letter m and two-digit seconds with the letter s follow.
1h10
